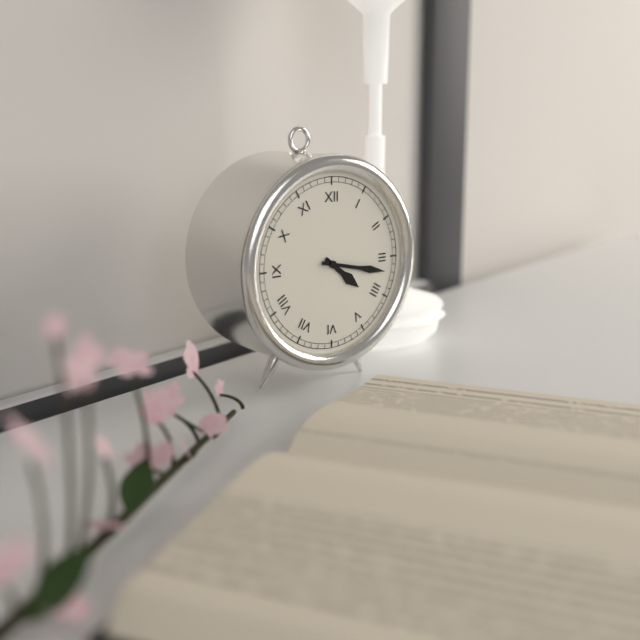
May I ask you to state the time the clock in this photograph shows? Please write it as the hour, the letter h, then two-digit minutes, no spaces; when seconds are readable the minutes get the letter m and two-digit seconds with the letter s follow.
4h17
